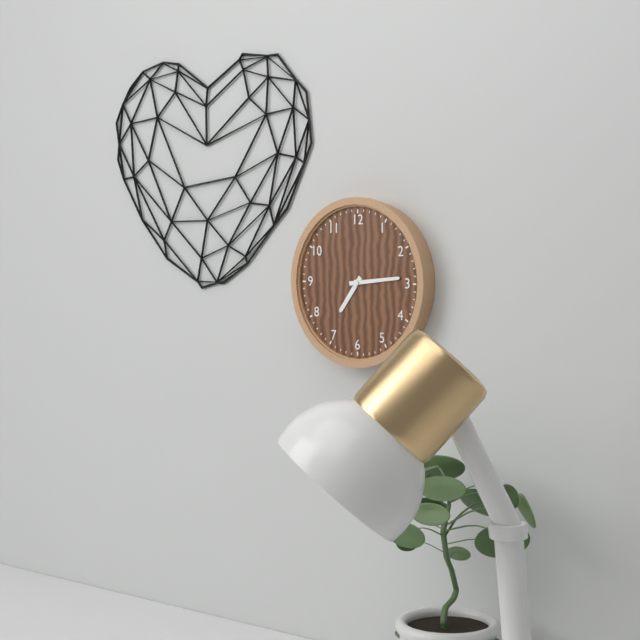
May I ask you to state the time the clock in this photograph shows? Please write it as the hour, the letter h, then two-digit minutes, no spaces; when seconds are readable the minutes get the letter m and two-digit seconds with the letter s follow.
7h14
